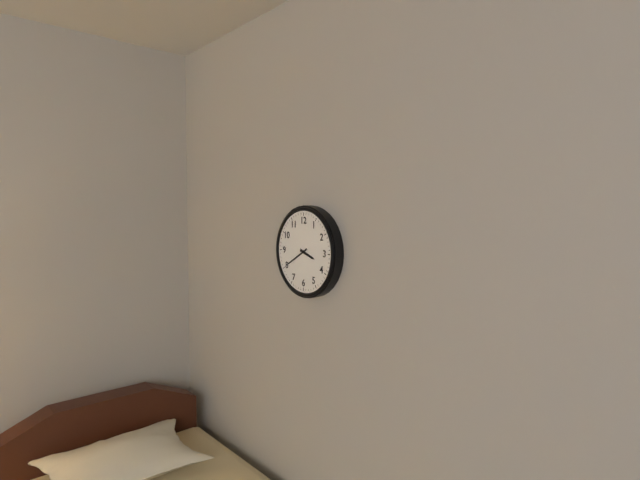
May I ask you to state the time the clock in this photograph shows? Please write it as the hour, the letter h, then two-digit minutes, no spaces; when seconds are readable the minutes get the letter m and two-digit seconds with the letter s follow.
3h40
